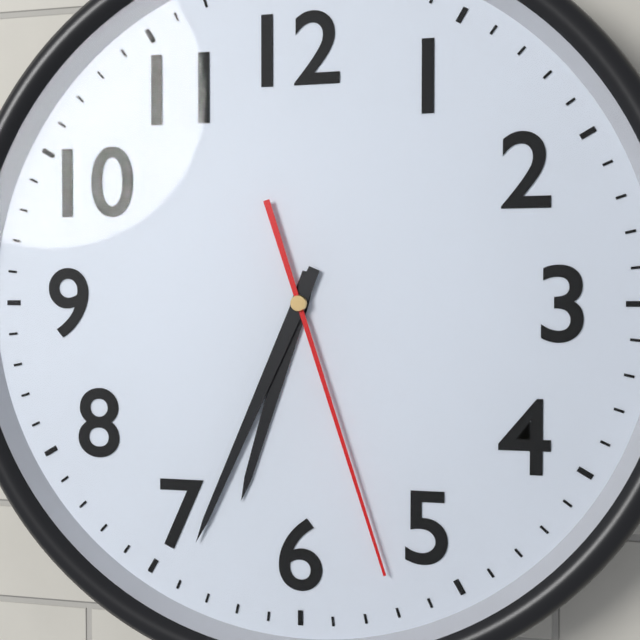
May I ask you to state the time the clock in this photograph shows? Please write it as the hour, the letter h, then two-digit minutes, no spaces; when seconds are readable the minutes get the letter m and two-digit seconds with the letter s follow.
6h34m27s
